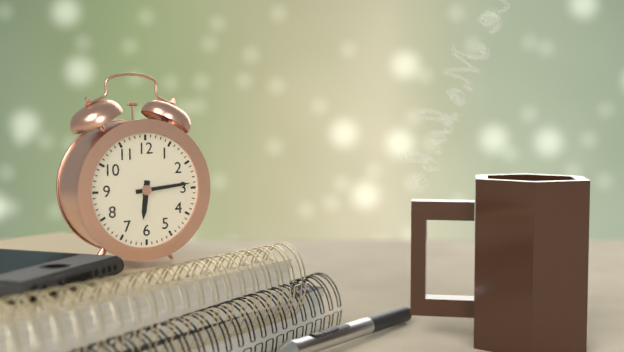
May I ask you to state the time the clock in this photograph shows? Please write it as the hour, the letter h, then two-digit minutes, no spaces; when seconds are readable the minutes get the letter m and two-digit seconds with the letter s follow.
6h14
